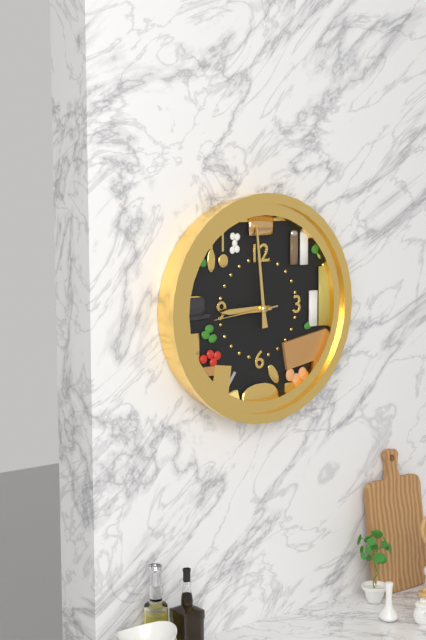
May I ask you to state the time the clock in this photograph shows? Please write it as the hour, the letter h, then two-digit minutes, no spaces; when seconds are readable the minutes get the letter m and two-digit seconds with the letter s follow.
8h59m44s
